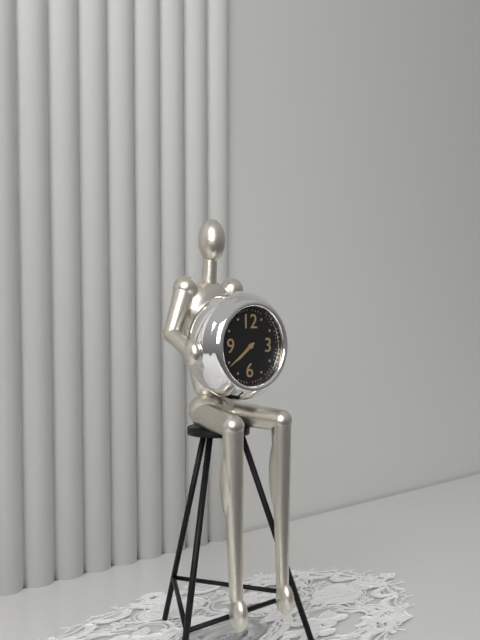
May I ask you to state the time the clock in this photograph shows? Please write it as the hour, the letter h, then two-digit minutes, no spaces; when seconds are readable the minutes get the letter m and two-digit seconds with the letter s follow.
7h39
